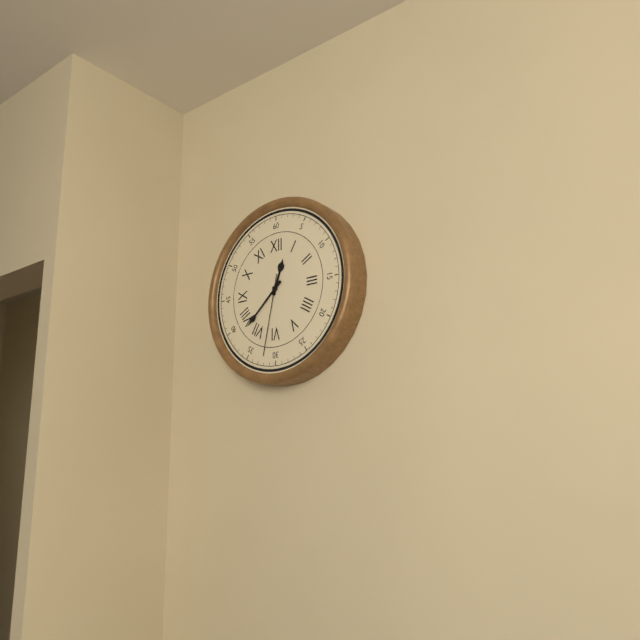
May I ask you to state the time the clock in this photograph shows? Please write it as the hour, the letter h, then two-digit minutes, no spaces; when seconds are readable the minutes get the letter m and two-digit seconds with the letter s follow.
12h38m32s
